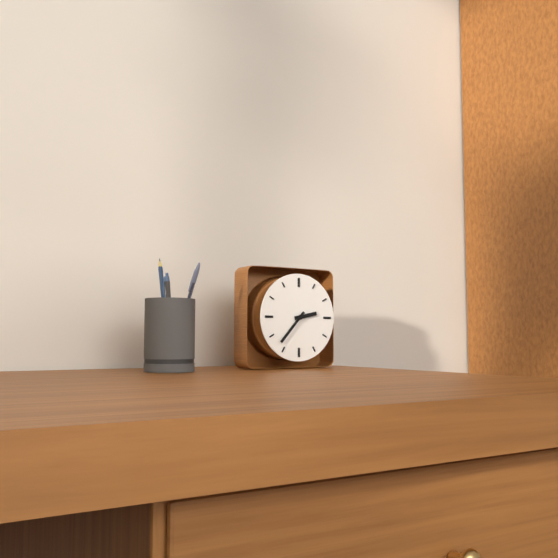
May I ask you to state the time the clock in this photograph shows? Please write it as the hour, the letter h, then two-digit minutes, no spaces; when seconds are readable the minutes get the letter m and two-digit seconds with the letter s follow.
2h37
